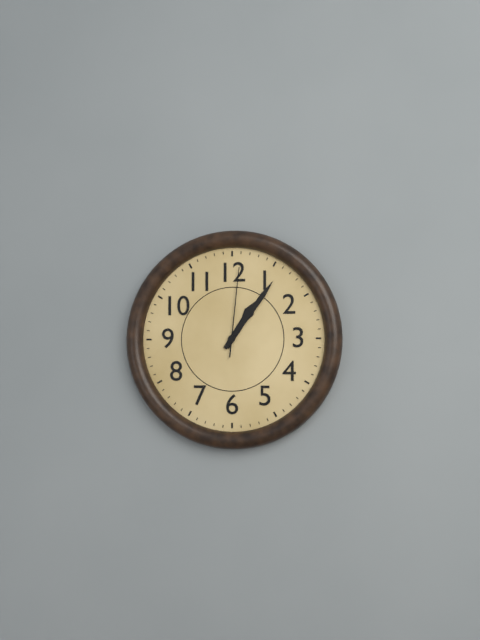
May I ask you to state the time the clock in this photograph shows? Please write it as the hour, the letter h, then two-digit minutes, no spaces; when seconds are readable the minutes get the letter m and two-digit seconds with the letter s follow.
1h06m01s
